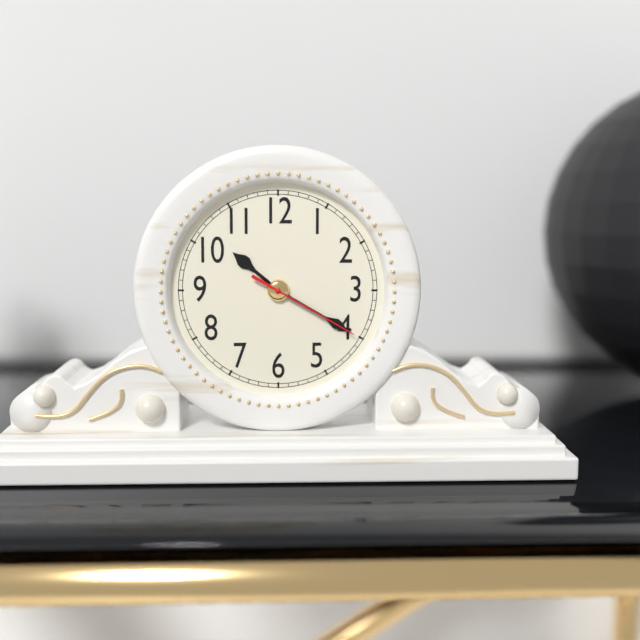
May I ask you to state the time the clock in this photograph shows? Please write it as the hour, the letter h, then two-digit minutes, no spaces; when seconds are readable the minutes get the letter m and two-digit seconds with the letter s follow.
10h20m20s
